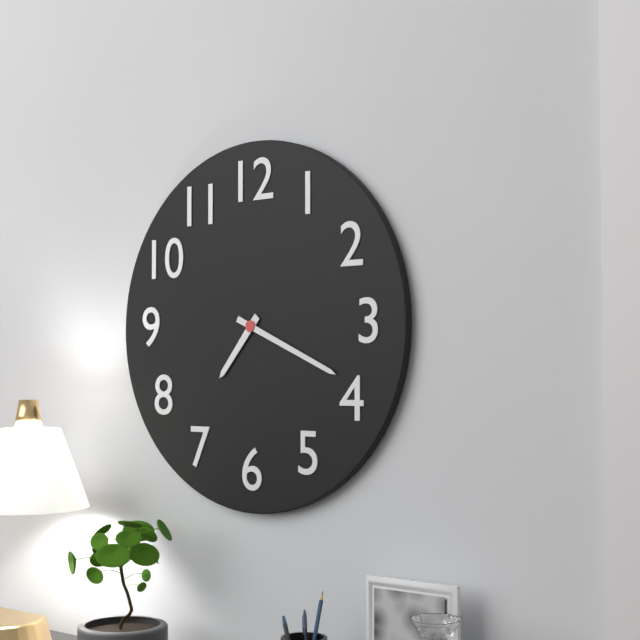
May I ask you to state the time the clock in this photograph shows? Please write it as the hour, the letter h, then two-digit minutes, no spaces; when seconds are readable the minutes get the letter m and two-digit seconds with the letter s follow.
7h19
